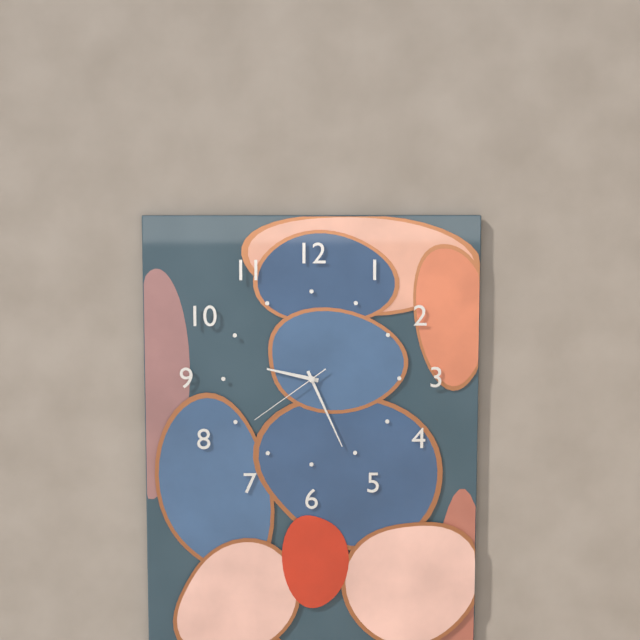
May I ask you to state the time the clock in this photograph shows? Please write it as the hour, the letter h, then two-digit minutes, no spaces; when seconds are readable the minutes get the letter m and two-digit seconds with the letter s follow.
9h26m39s
